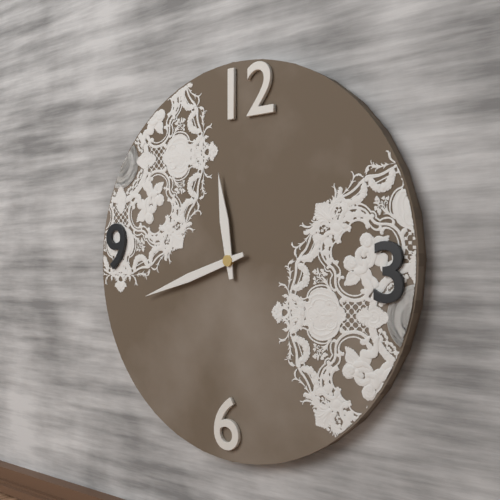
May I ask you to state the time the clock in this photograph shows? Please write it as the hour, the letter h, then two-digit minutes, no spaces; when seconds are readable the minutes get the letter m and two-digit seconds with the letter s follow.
11h42
